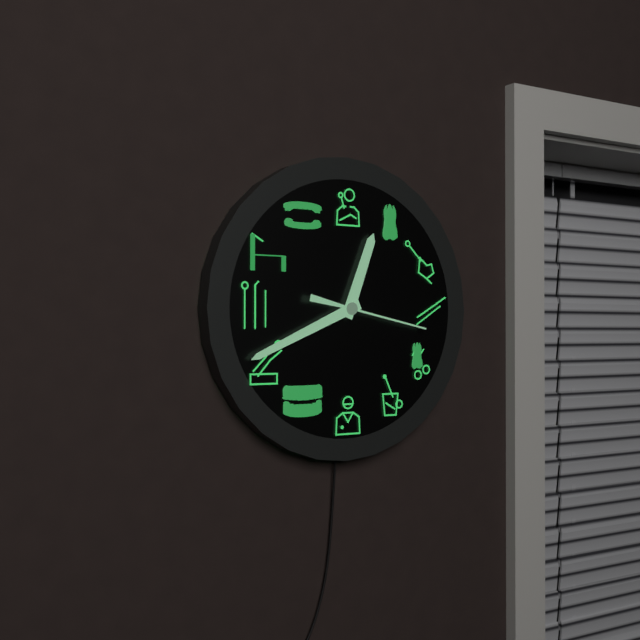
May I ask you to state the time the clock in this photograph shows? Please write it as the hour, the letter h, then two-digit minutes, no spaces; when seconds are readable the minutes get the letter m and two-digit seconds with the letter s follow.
12h41m17s
